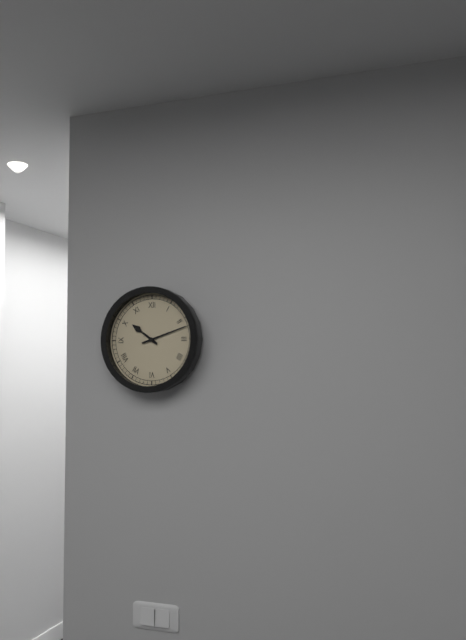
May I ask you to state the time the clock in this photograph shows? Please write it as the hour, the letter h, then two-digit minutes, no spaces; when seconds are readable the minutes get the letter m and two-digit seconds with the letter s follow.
10h12
